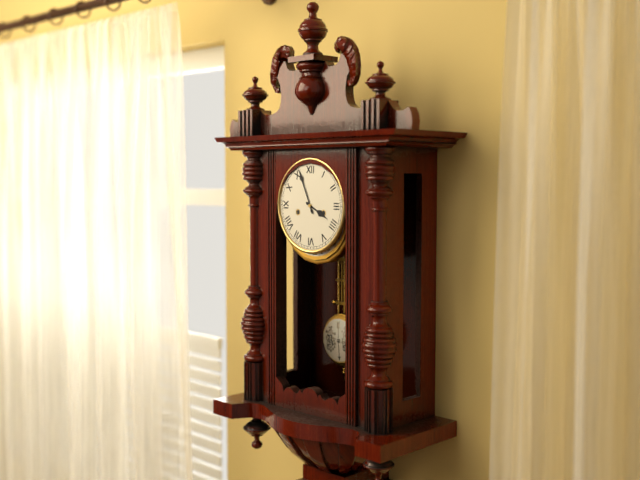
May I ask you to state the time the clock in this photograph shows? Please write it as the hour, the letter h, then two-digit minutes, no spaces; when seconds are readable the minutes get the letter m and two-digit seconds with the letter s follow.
3h56
